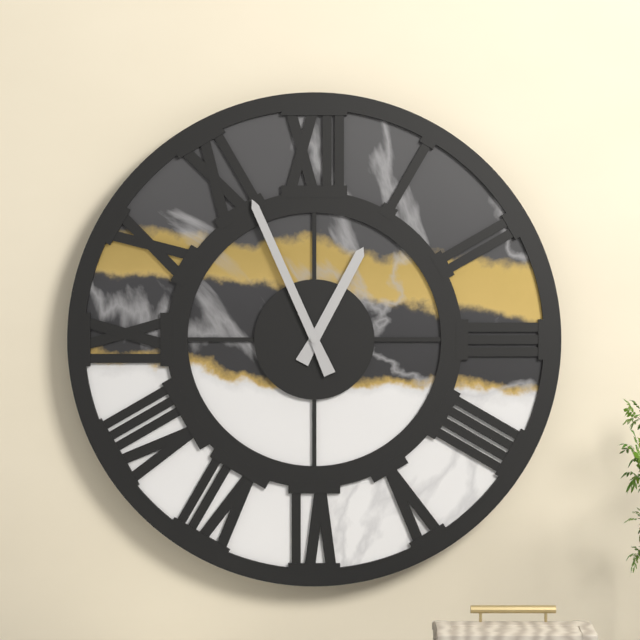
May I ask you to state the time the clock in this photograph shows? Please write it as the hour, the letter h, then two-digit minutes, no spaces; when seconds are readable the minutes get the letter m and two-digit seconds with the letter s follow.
12h56
